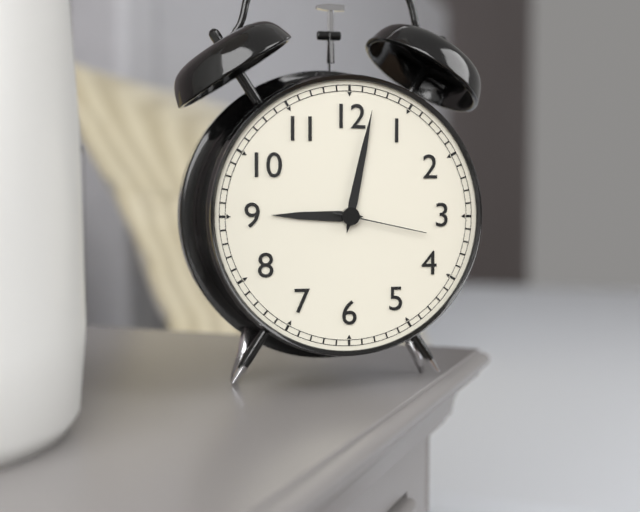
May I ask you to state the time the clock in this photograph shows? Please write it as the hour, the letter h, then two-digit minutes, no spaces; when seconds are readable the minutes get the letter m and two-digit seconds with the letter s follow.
9h02m17s
